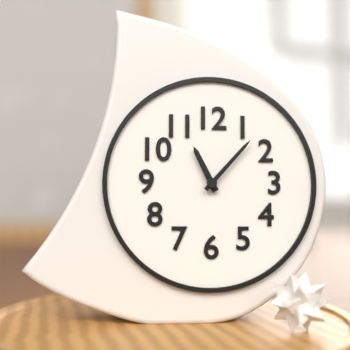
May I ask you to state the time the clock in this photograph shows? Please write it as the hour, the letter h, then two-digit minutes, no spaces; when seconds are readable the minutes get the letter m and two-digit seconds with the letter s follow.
11h07
